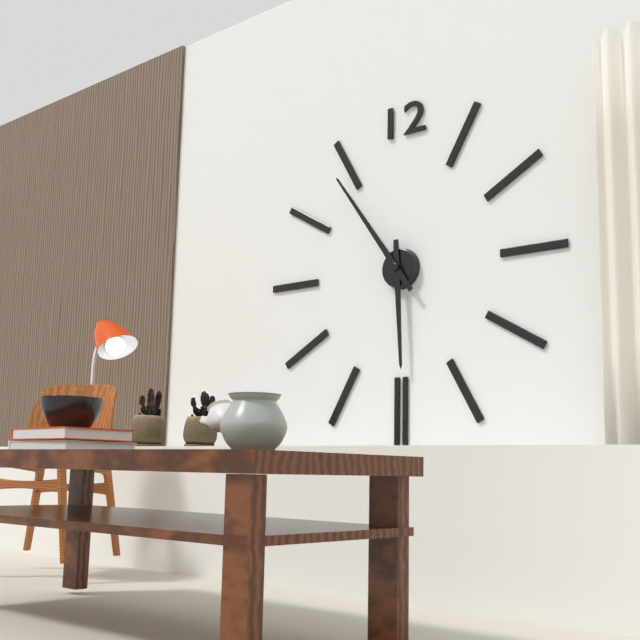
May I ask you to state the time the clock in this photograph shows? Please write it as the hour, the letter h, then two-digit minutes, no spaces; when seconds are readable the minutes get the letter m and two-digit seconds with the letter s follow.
5h54
